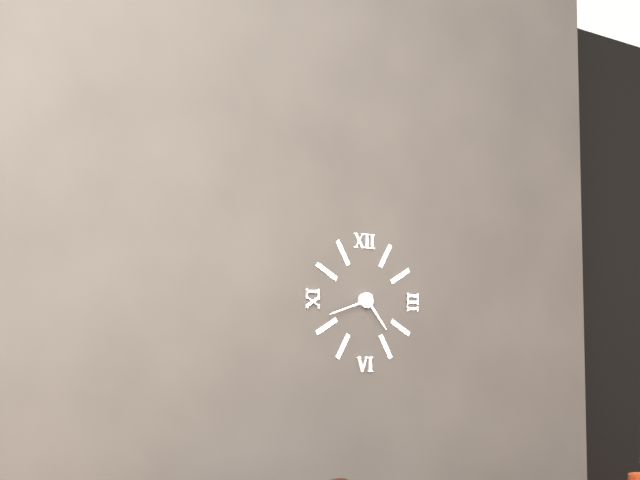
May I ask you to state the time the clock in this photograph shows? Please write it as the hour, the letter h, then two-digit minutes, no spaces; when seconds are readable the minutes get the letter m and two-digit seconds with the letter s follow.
4h42
